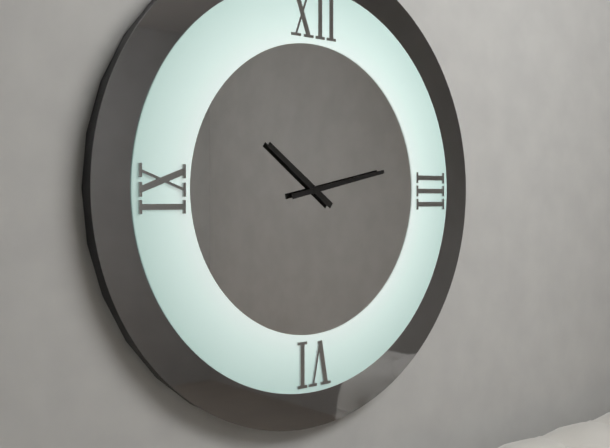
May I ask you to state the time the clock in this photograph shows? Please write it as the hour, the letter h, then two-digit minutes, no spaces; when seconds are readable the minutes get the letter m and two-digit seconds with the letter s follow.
10h13
